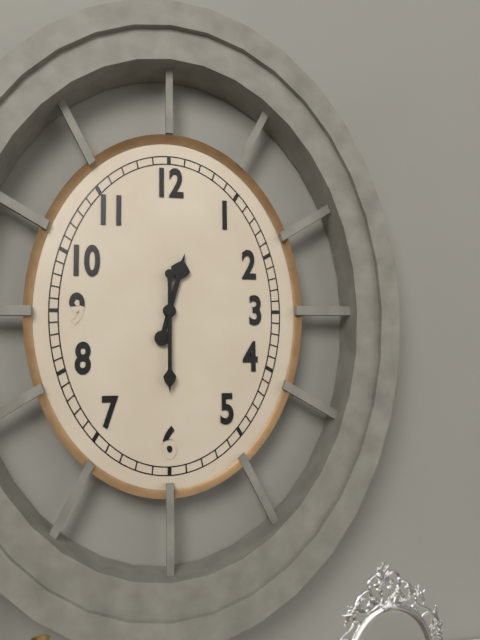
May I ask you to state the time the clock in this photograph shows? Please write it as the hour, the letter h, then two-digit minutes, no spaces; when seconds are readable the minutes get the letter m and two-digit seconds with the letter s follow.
12h30
